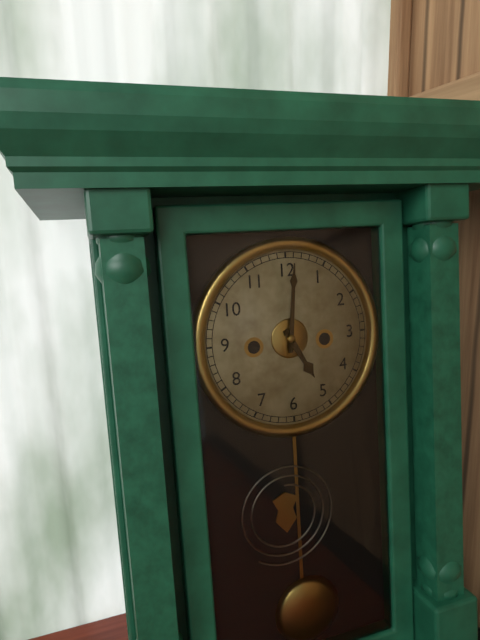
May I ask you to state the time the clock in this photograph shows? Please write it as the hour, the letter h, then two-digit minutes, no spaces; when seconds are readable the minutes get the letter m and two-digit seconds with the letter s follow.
5h01
